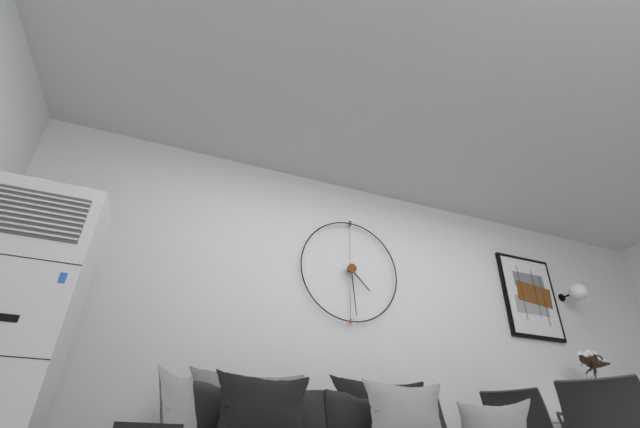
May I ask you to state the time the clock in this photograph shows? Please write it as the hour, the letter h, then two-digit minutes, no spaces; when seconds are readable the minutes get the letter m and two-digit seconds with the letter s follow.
4h29
